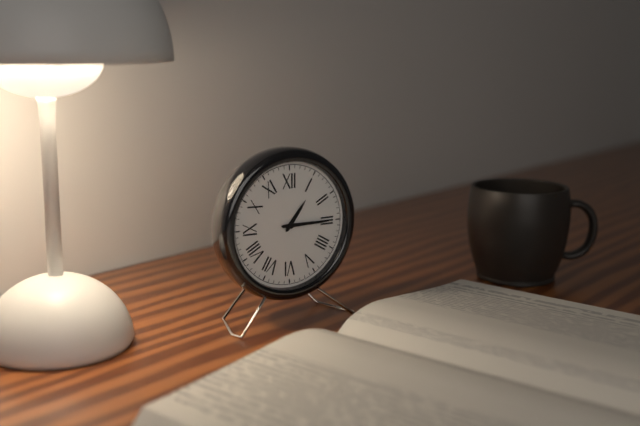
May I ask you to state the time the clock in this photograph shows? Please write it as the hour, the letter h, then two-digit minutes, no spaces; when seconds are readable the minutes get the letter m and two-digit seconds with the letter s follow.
1h15
